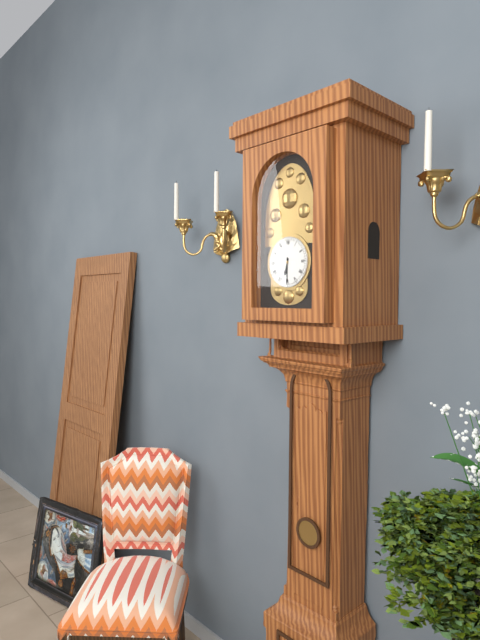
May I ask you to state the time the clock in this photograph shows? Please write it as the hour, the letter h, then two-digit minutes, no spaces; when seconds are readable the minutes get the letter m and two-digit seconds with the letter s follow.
6h30
